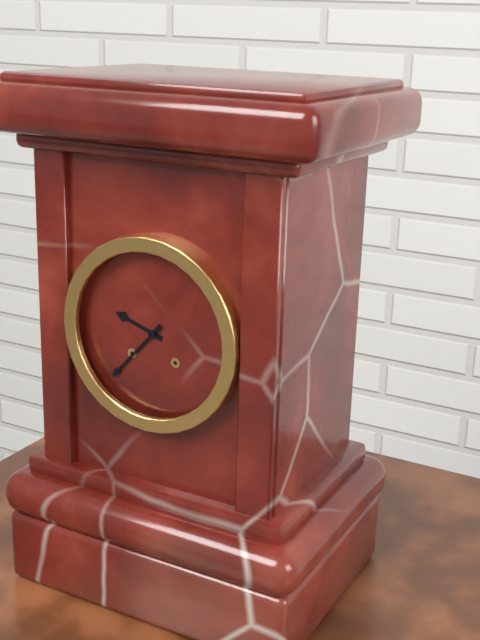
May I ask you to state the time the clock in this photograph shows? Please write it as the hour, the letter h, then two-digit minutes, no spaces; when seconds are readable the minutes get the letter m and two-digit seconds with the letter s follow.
9h37
